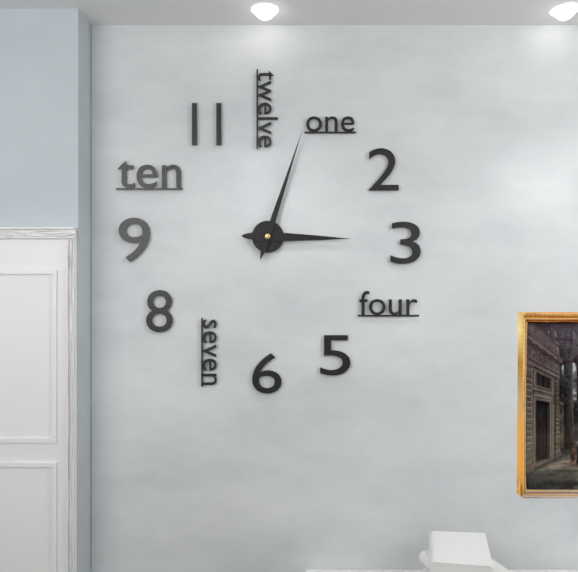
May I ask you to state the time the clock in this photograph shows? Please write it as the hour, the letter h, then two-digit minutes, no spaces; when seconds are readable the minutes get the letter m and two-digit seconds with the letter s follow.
3h03
